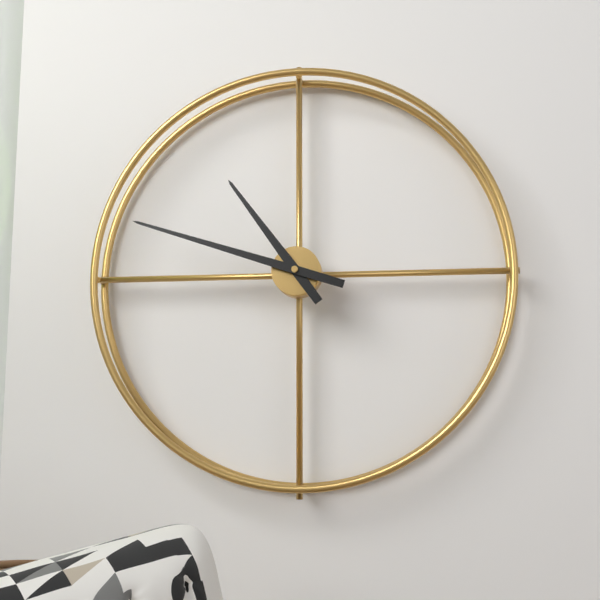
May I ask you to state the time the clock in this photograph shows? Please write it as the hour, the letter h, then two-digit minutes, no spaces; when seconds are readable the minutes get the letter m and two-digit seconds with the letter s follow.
10h48
